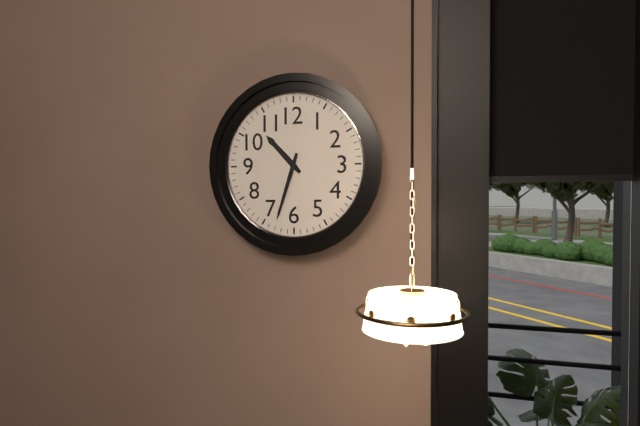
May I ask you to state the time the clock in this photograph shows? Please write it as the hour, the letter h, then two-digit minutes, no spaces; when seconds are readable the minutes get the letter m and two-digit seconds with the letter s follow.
10h33
